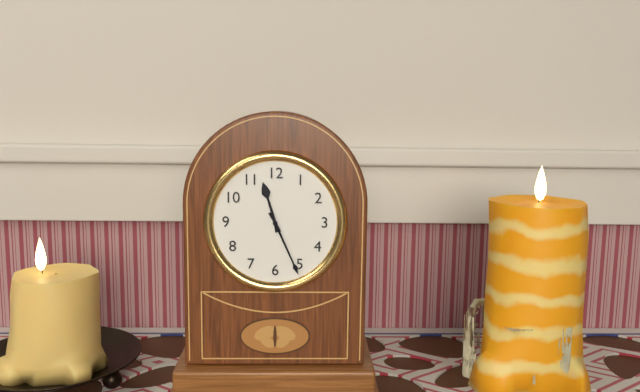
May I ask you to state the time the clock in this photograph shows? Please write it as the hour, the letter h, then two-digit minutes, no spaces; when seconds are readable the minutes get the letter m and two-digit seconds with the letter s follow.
11h26
